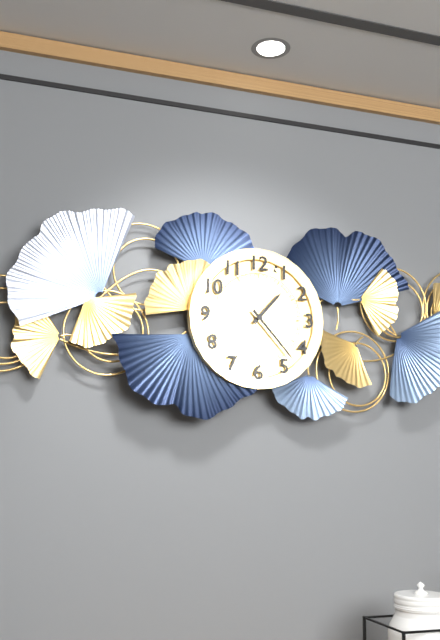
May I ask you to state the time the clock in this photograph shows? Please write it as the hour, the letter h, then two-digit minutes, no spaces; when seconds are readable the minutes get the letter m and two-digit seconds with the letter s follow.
1h23
